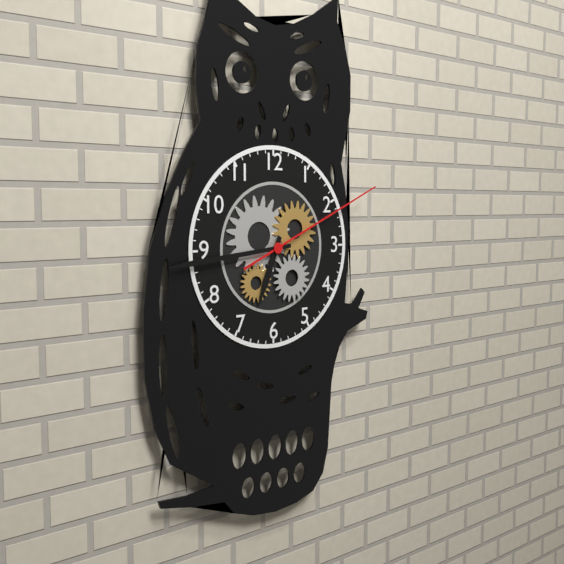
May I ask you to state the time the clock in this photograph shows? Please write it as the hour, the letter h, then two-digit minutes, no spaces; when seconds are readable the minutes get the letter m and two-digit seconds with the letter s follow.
6h44m11s
